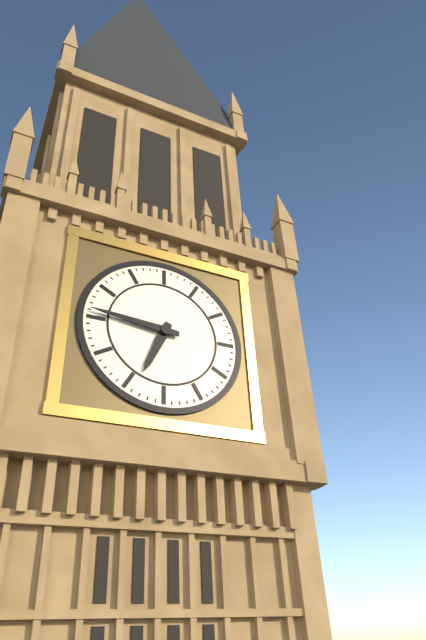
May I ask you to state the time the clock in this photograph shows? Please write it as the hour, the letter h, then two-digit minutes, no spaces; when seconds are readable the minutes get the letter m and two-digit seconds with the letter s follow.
6h46
